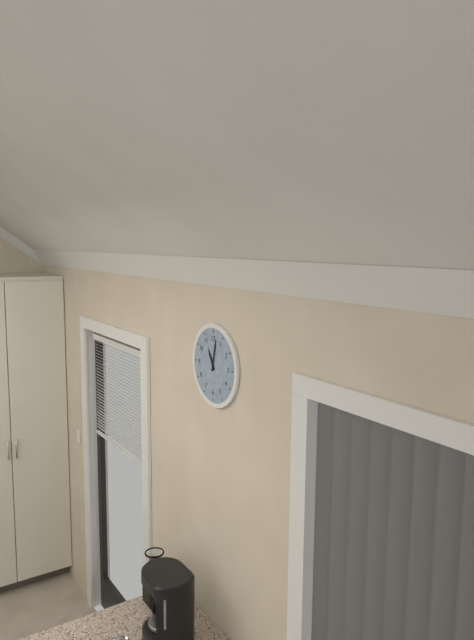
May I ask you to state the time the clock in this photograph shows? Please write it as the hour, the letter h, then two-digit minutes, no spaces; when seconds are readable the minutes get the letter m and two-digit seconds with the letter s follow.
11h02
